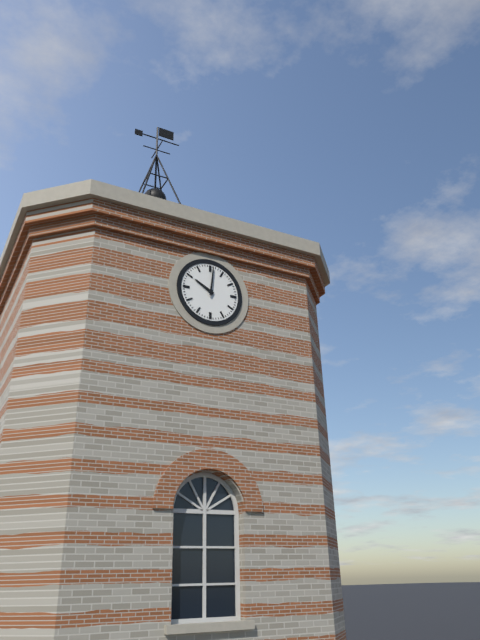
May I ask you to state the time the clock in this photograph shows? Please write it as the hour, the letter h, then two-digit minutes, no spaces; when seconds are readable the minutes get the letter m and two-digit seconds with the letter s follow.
10h01
